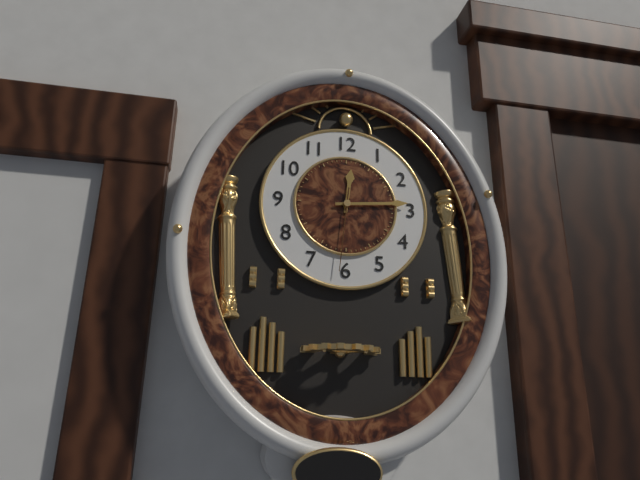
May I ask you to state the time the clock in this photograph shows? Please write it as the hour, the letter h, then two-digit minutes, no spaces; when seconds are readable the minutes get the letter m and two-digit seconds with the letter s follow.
12h14m31s
